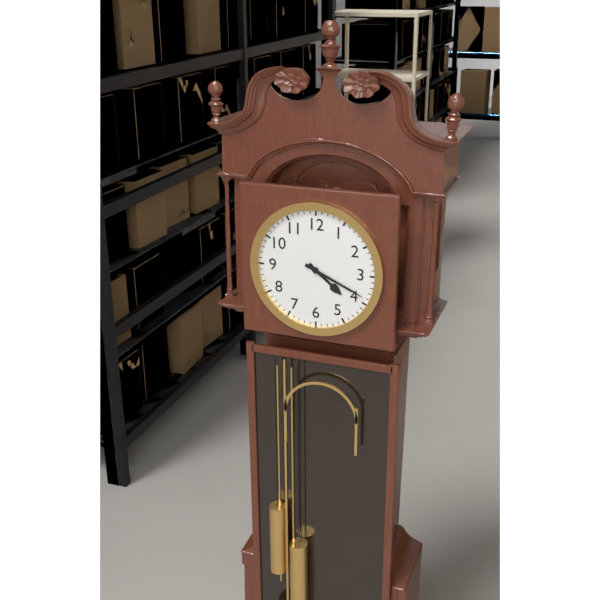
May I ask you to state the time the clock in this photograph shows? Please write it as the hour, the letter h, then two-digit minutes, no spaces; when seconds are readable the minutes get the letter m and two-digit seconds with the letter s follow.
4h19
